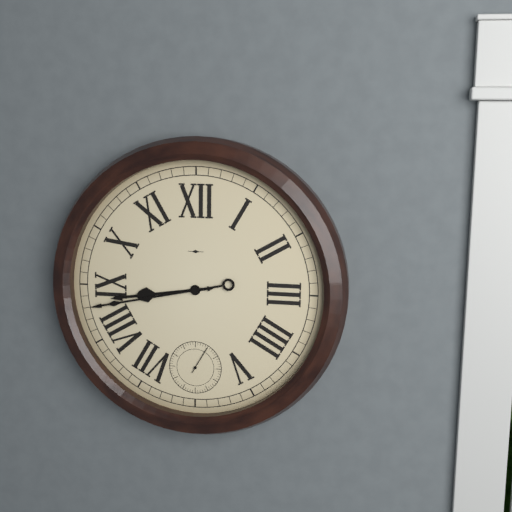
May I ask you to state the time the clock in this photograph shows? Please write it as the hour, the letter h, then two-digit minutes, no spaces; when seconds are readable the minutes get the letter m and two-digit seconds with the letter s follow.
8h43
